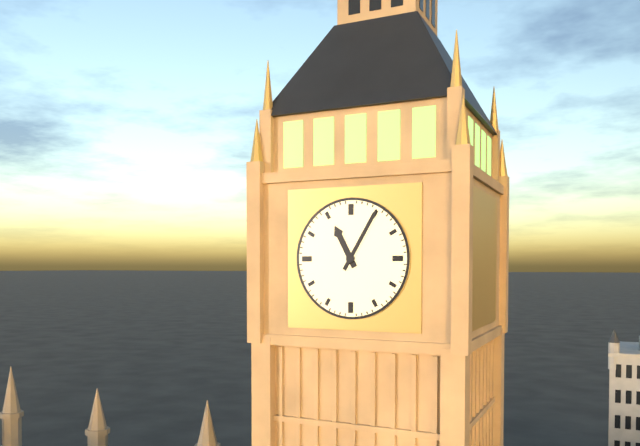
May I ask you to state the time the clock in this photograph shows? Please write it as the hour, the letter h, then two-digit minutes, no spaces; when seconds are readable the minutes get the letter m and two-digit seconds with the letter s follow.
11h05
